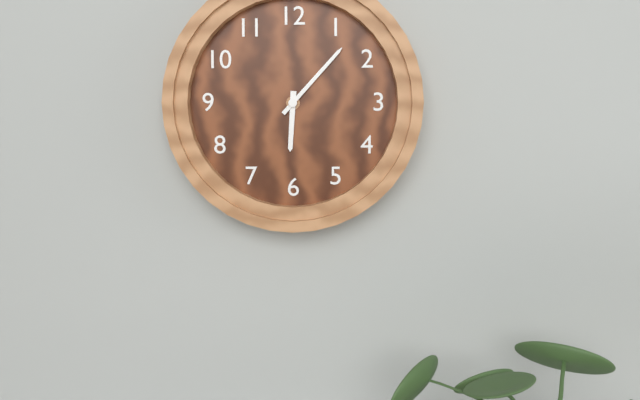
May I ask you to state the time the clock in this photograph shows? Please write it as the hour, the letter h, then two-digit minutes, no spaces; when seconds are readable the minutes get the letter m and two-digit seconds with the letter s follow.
6h07
